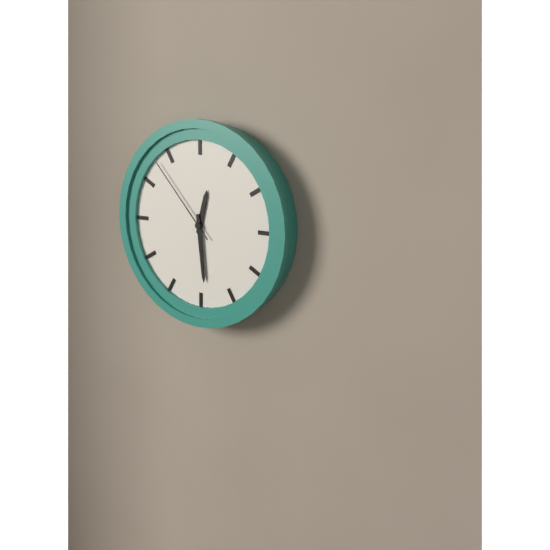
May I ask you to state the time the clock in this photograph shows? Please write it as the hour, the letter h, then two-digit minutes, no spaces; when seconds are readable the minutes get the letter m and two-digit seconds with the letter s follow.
12h29m53s
